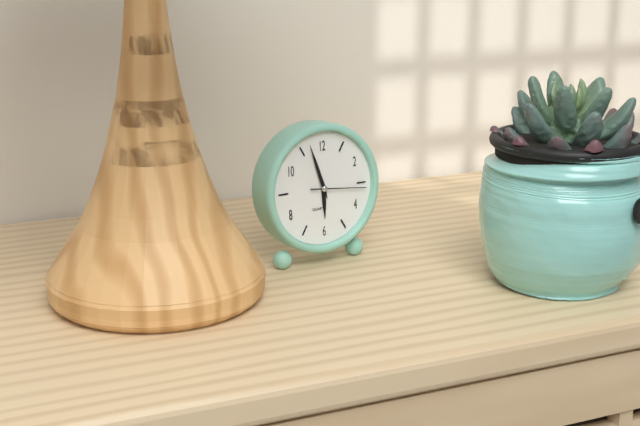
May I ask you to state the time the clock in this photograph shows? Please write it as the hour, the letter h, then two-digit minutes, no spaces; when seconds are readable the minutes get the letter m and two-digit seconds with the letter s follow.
5h57m16s
